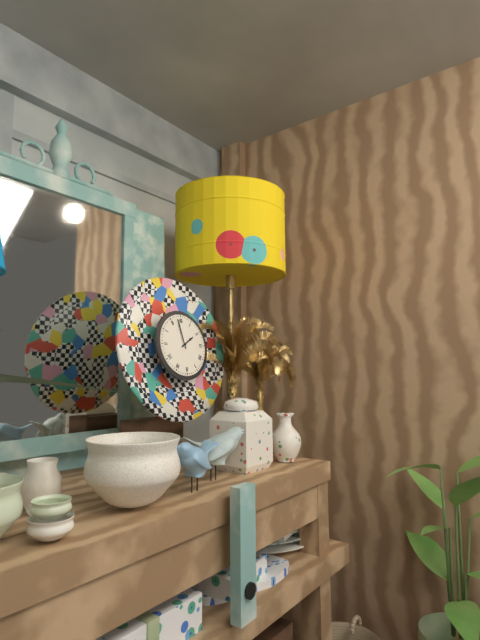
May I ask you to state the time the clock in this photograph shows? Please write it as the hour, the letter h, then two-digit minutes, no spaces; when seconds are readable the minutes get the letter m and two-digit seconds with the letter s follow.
1h58
